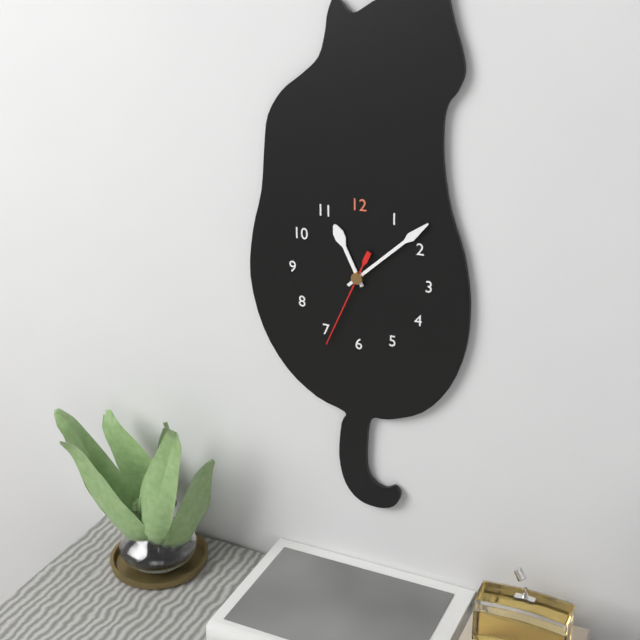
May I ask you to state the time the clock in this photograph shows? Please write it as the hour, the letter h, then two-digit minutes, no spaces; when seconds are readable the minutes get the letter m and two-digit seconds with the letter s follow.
11h08m34s
